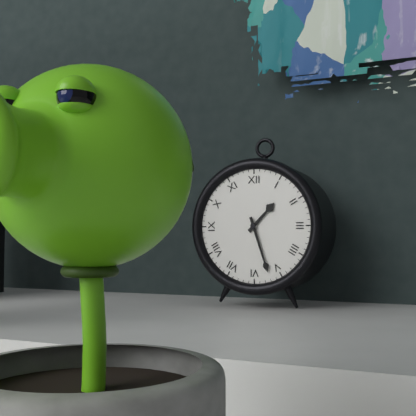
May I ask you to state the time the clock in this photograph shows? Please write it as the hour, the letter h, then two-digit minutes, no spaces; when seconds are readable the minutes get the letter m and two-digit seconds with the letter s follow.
1h27
